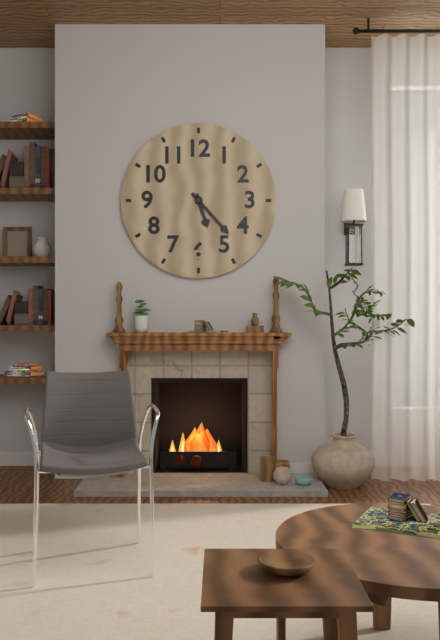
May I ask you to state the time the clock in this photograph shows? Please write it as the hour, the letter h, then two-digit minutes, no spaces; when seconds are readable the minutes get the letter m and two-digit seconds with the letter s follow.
5h23
